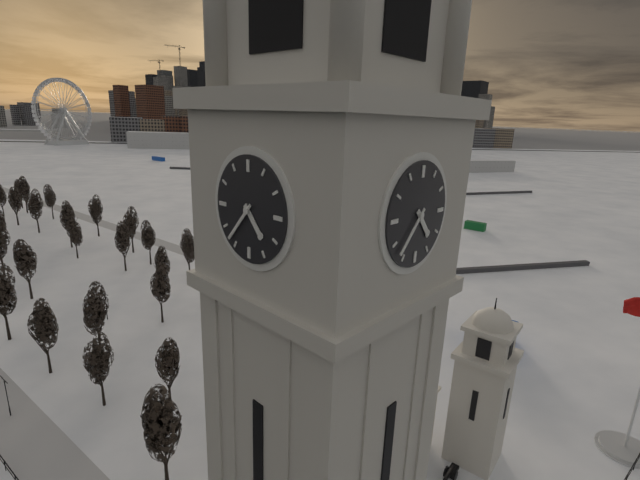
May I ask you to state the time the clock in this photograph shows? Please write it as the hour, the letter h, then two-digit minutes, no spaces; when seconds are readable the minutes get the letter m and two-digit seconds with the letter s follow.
4h37
